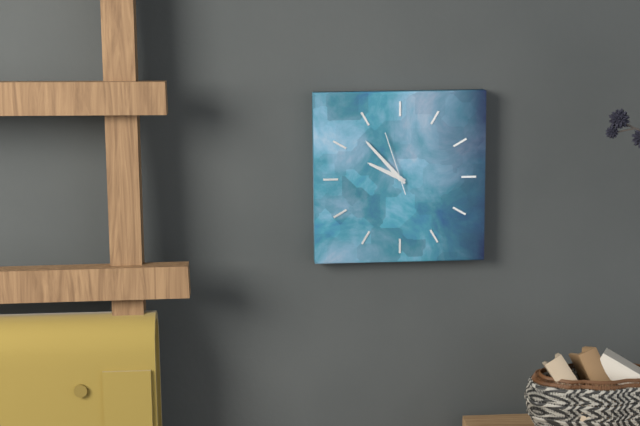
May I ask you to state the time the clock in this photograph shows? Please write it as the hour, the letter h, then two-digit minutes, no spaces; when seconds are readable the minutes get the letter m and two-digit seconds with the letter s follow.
9h53m57s
